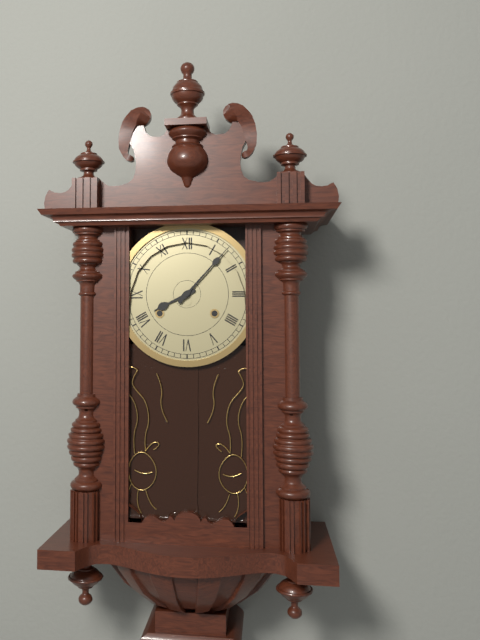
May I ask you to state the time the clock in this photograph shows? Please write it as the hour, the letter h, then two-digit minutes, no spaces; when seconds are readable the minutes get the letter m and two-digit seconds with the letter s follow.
8h07
